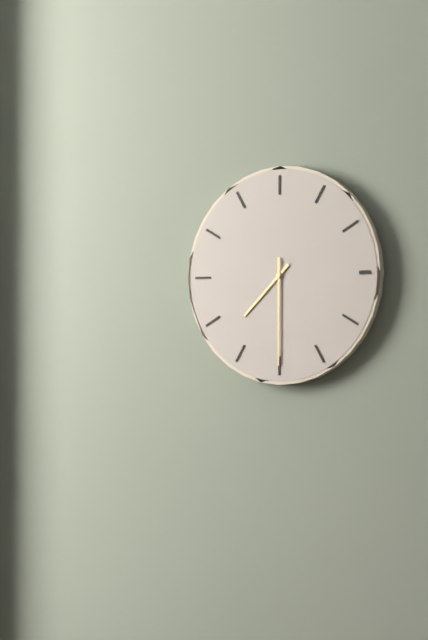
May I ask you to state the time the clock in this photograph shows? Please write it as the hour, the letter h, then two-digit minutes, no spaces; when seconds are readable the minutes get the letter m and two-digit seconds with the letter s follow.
7h30
